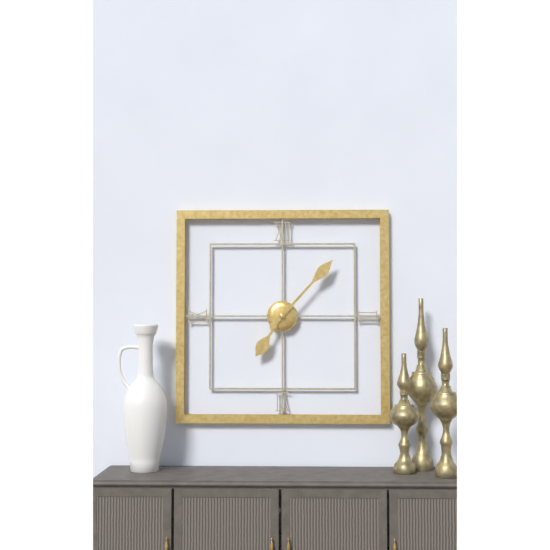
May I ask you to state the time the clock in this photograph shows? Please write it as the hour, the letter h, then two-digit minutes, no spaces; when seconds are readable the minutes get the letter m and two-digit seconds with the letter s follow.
7h07
